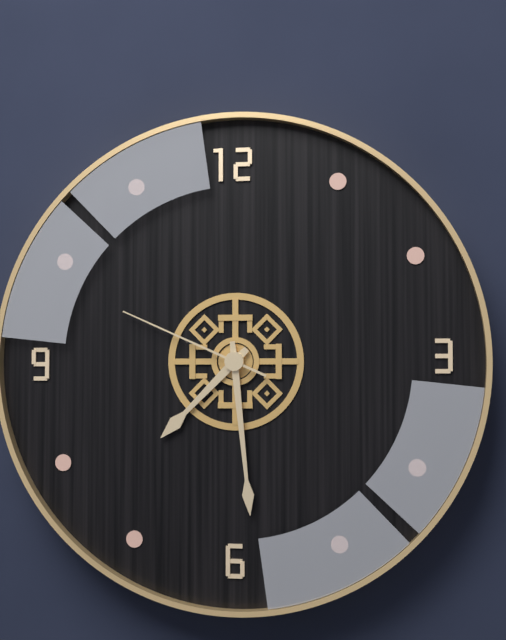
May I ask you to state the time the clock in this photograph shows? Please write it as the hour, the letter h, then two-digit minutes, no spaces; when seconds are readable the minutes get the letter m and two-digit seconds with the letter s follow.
7h29m49s
